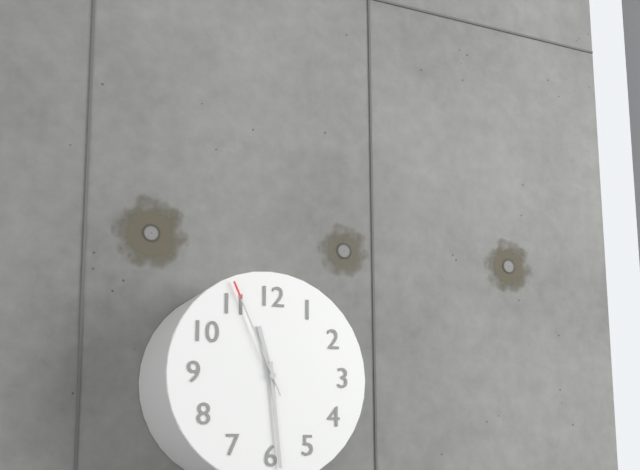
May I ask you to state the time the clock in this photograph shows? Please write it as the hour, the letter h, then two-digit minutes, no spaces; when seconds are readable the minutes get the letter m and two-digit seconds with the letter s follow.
11h29m56s
